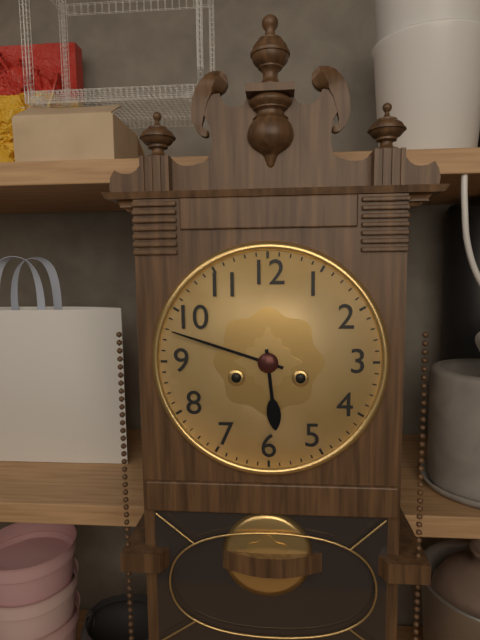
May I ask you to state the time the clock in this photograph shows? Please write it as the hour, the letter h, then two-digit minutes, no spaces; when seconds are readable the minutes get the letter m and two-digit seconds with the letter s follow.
5h48
